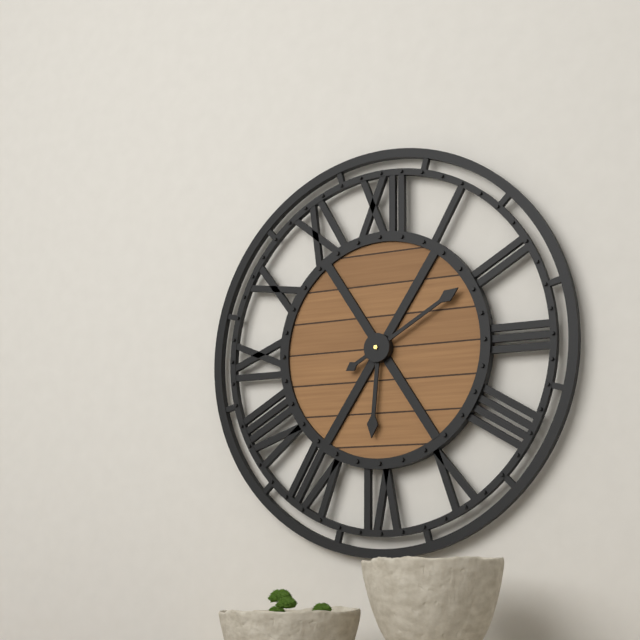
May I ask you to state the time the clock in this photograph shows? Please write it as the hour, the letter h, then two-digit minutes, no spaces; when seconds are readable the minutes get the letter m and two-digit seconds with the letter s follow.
6h10
